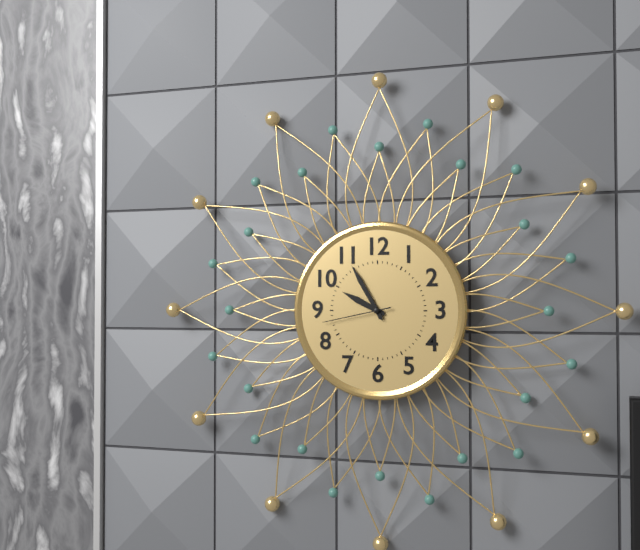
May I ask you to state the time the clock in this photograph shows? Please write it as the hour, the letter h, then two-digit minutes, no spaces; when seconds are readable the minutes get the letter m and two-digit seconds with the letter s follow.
9h55m43s
